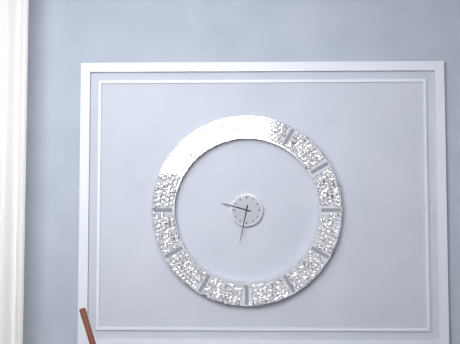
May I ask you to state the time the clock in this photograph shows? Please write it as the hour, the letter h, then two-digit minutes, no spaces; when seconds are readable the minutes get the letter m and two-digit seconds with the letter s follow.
9h32
